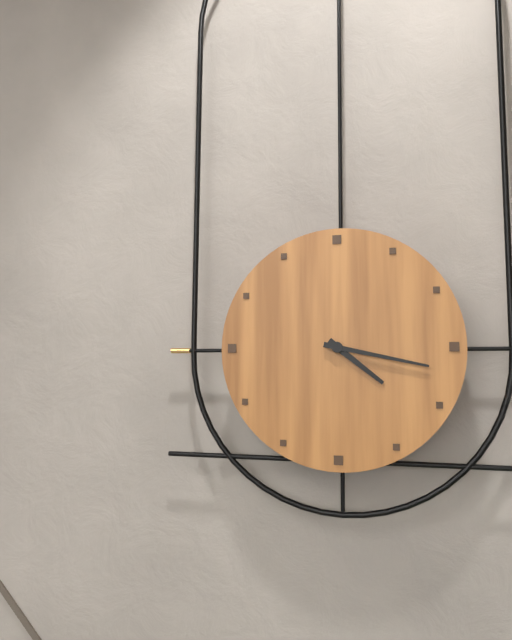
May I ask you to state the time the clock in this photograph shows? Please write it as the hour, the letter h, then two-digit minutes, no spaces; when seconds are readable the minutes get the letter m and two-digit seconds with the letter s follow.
4h17
